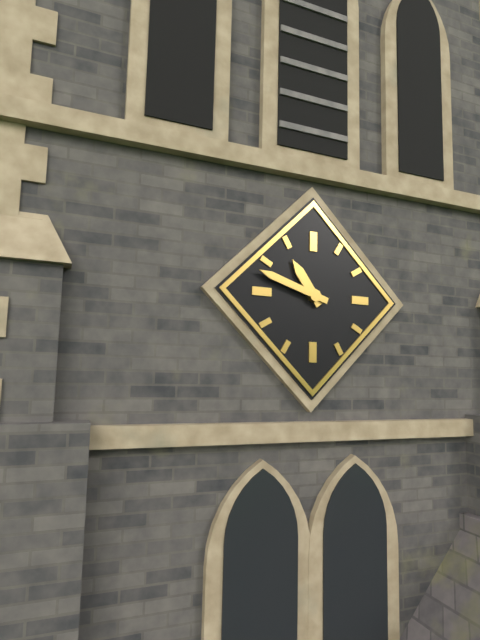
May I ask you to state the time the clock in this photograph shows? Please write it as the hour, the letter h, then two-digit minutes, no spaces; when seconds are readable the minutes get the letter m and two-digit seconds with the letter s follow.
10h48
